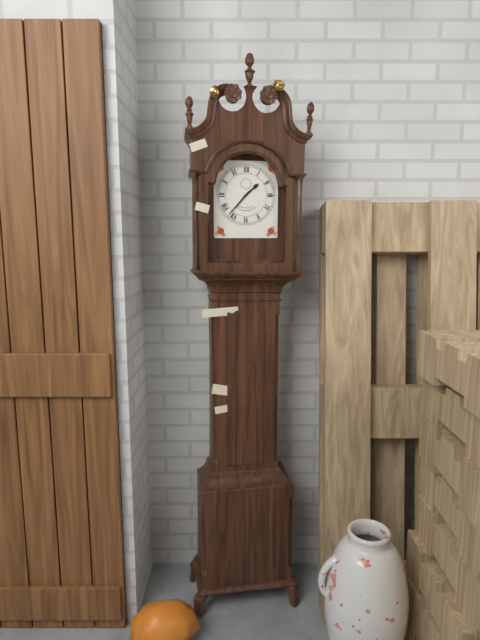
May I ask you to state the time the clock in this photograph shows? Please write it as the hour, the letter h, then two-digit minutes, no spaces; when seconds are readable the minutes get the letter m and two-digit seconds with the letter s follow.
1h37
